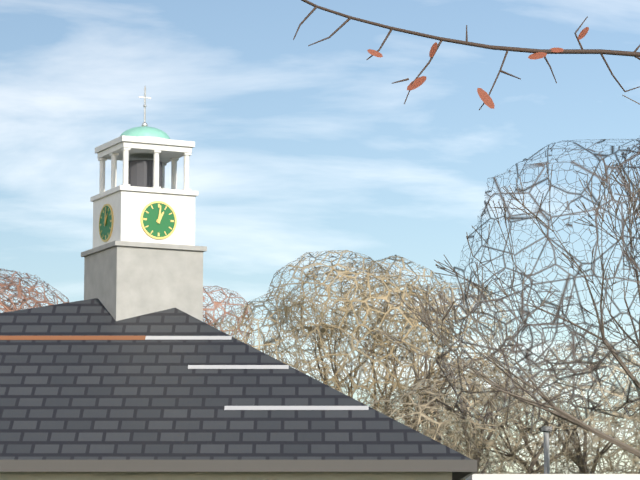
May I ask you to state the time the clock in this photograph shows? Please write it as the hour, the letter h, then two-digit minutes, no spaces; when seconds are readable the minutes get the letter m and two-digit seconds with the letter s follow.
1h01
